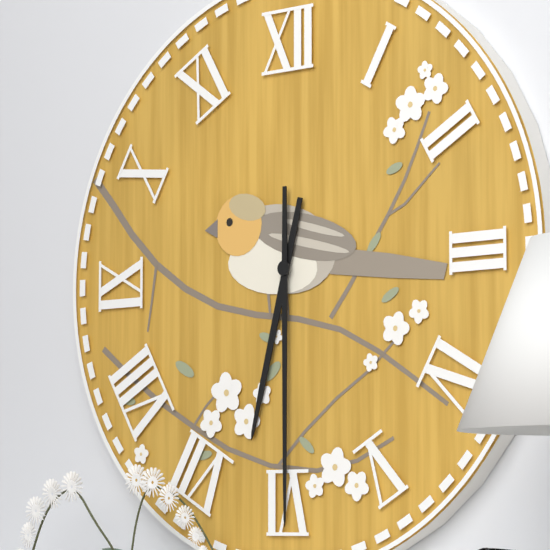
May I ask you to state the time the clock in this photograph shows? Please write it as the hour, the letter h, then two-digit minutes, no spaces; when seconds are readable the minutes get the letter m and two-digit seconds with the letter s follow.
6h30
